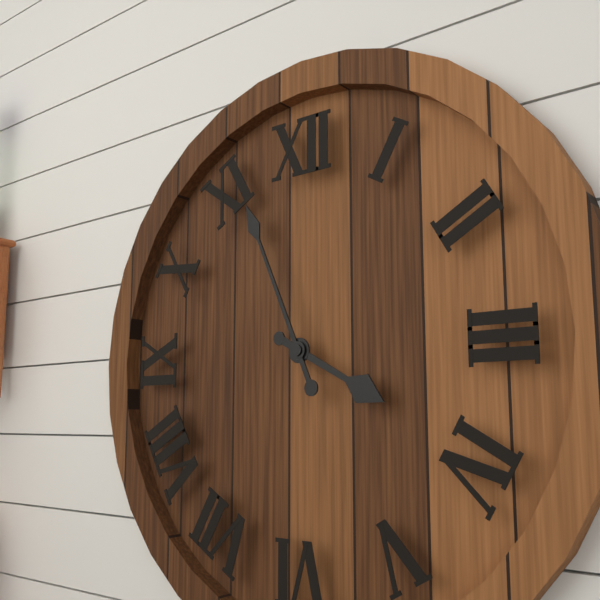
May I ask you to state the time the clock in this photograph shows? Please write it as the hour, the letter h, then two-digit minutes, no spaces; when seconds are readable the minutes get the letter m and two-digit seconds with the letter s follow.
3h56
